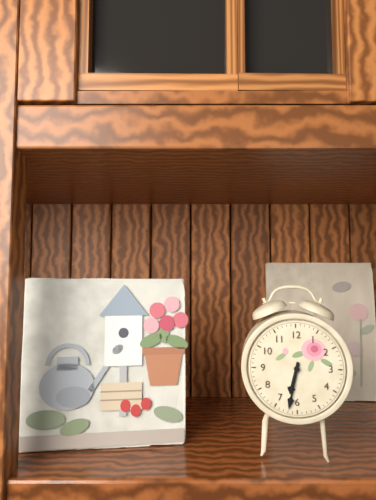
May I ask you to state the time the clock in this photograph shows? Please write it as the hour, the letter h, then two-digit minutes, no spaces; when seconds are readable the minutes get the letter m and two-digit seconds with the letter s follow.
6h32
